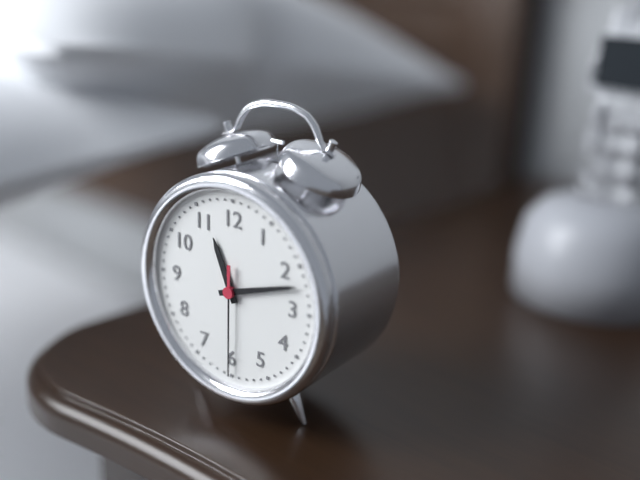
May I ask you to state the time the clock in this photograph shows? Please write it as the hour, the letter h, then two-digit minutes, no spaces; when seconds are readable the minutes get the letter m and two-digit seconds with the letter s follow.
11h12m30s
